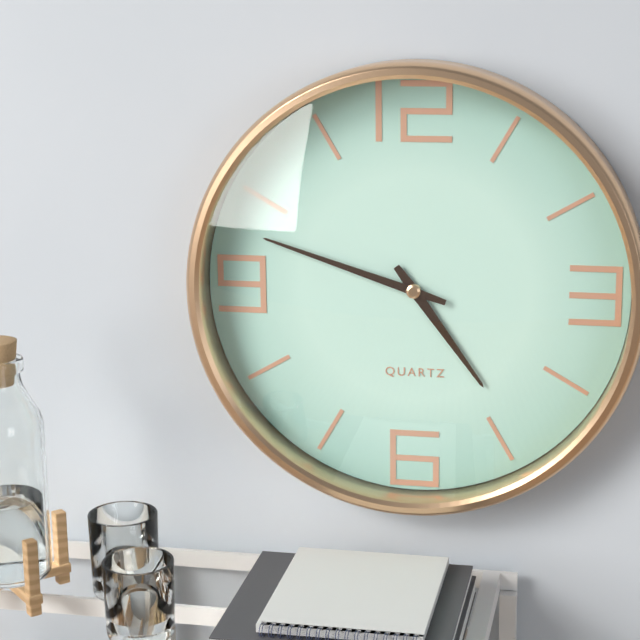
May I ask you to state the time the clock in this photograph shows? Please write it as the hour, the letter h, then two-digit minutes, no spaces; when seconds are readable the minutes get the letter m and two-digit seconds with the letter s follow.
4h48
